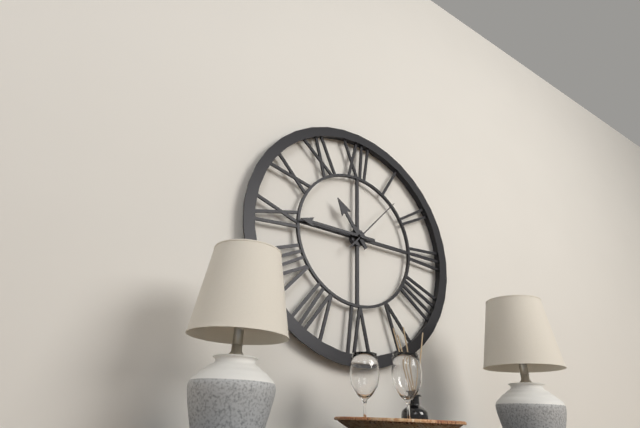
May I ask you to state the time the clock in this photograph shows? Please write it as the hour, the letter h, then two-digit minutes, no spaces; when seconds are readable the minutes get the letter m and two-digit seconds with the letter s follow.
10h45m07s
